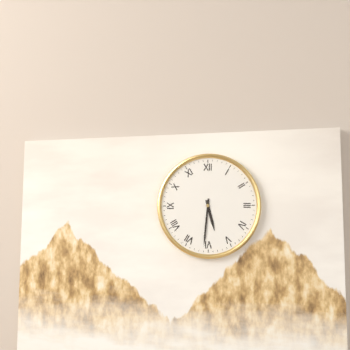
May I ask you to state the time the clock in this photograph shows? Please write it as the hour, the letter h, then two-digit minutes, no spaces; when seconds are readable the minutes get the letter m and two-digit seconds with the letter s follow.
5h31
